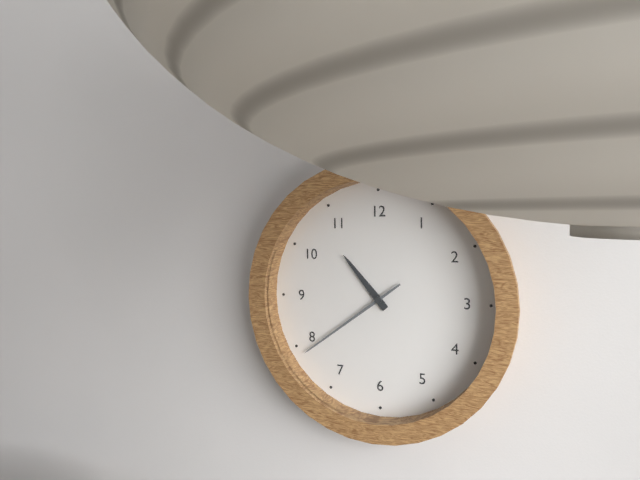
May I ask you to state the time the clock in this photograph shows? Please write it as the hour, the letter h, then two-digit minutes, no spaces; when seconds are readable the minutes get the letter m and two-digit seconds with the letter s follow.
10h39
